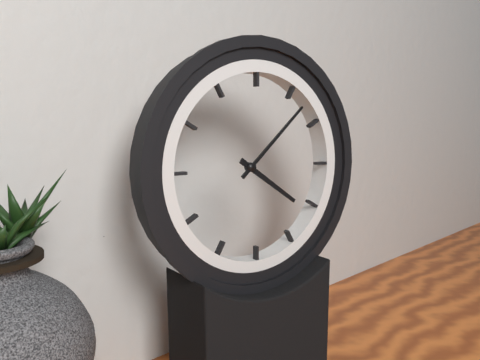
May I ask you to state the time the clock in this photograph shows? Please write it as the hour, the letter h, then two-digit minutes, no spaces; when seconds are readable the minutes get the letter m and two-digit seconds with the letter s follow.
4h08
